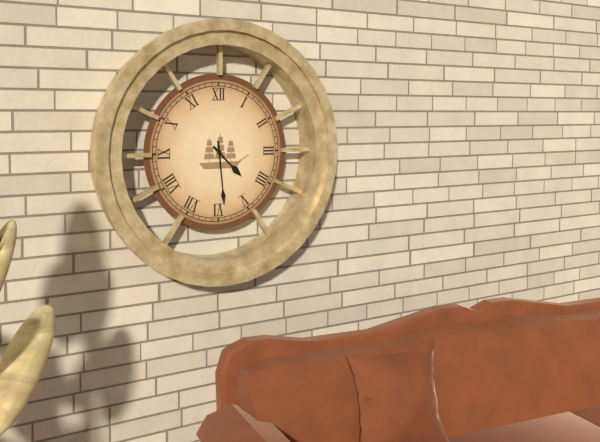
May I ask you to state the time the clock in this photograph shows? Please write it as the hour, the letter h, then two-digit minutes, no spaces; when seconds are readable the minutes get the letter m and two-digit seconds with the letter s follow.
4h29
